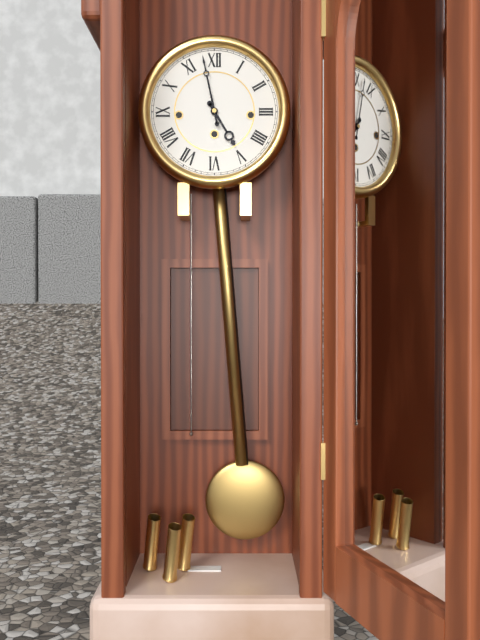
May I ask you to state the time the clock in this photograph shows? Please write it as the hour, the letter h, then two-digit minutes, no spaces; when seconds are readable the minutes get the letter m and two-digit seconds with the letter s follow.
4h58
